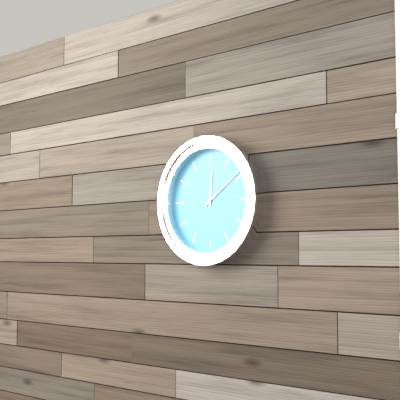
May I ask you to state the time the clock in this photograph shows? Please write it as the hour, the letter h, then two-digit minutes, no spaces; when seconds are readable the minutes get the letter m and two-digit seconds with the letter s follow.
12h09
